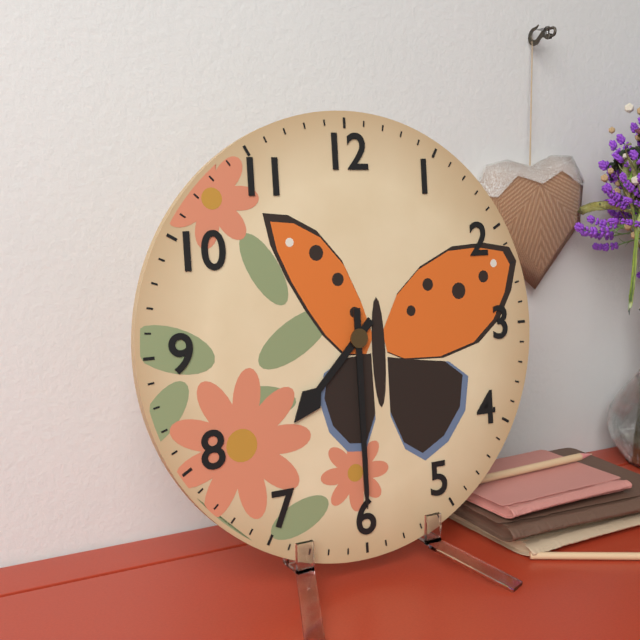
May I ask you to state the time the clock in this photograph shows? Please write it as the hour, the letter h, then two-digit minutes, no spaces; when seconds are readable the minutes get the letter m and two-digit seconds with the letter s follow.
7h30
